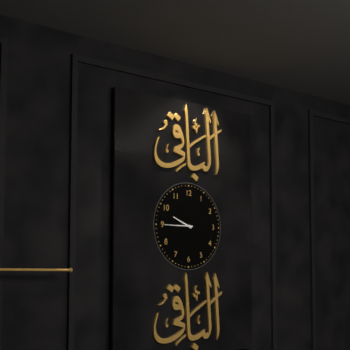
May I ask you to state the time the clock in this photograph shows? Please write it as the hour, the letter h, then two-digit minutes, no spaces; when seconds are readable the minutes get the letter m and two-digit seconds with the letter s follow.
9h45
